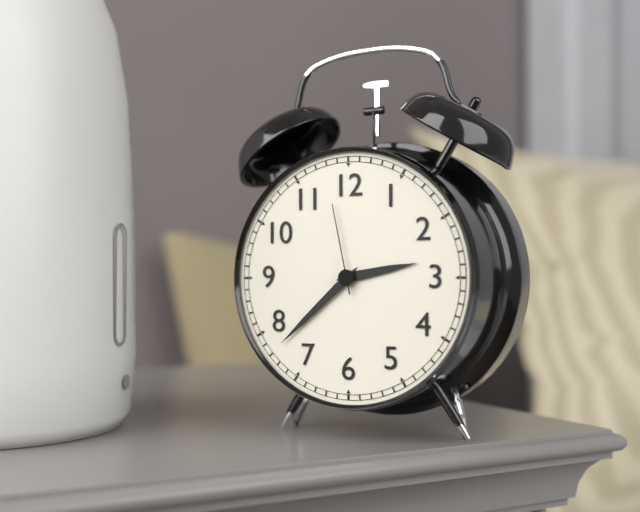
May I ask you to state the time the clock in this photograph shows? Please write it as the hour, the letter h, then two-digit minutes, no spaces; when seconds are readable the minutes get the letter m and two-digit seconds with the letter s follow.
2h38m58s
